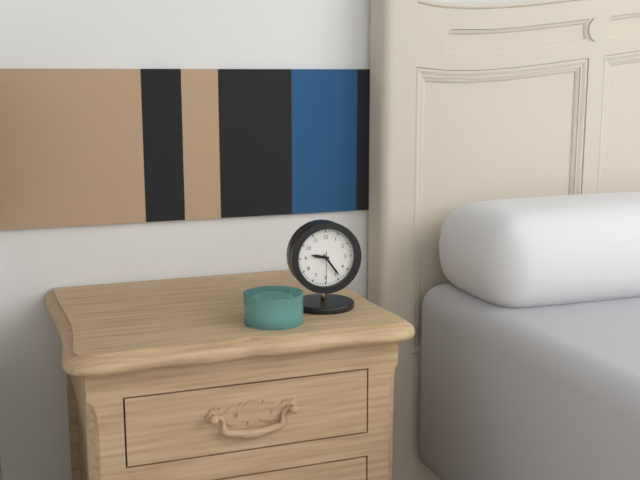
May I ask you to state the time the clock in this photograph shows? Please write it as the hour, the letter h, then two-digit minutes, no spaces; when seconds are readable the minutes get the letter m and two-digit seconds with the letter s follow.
9h24
